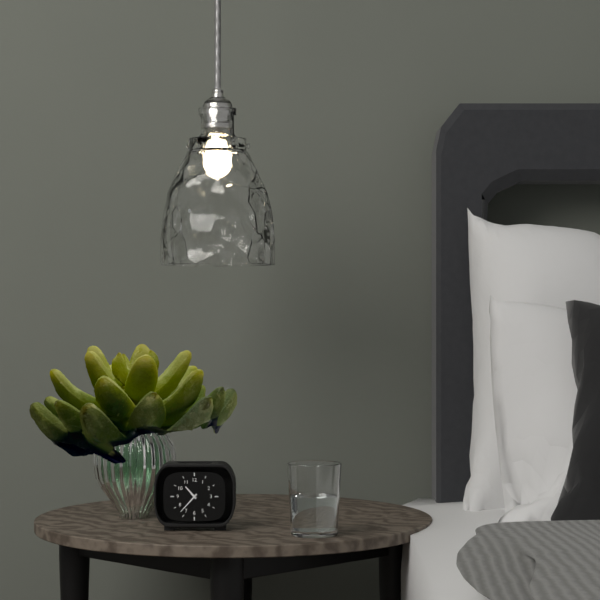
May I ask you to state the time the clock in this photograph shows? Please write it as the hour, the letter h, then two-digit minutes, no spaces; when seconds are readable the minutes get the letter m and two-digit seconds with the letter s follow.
10h37
